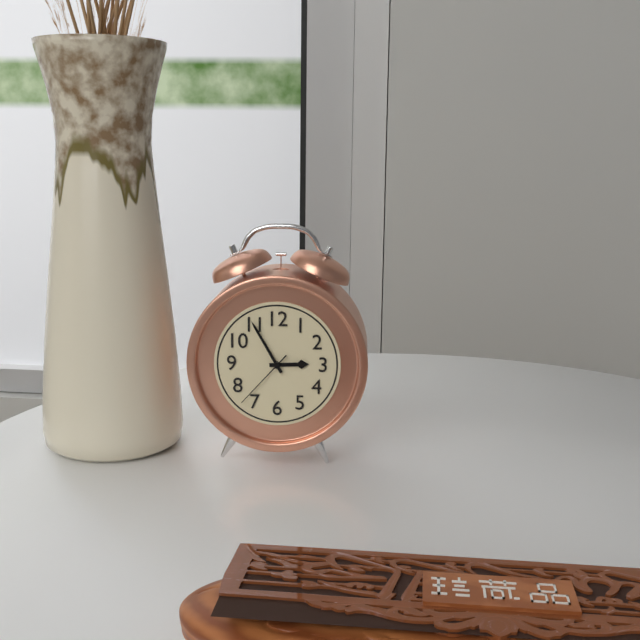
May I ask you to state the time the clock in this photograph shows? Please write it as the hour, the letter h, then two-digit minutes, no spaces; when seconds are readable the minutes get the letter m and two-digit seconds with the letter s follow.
2h55m37s
